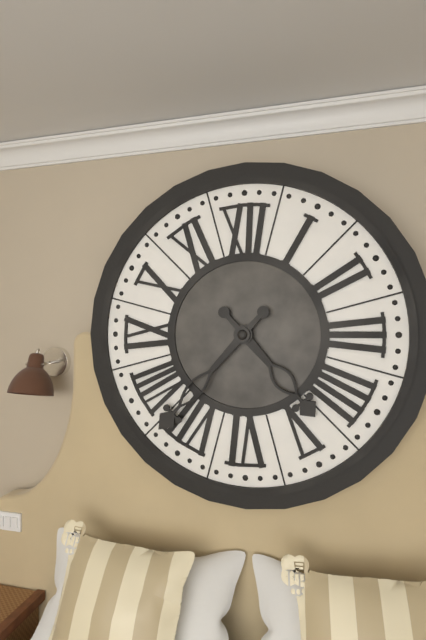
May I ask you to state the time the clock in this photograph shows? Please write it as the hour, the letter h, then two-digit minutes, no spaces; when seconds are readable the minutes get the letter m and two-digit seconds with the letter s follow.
4h37
